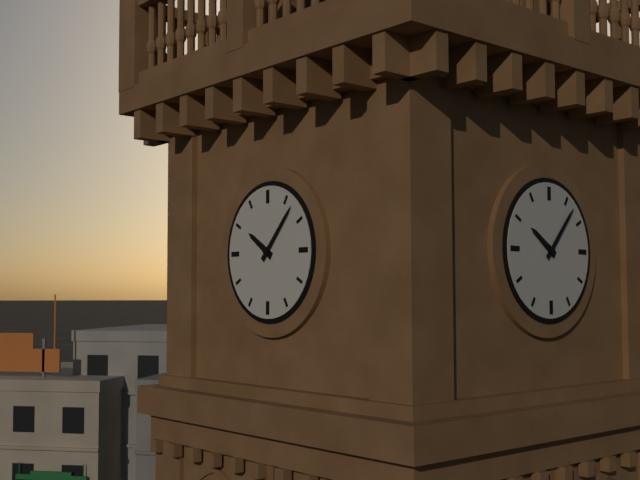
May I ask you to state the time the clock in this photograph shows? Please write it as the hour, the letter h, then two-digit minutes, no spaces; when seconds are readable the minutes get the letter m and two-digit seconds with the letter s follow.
10h07
